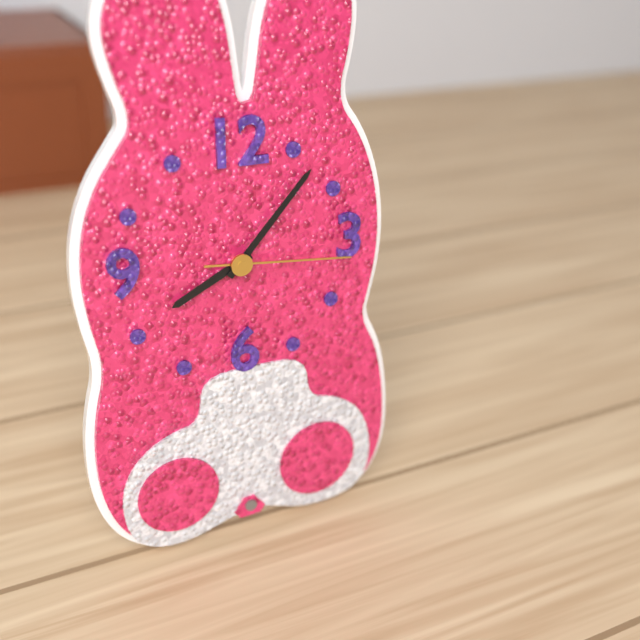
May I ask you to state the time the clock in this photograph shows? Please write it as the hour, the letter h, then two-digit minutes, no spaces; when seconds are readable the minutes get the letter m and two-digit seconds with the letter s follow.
8h07m16s
